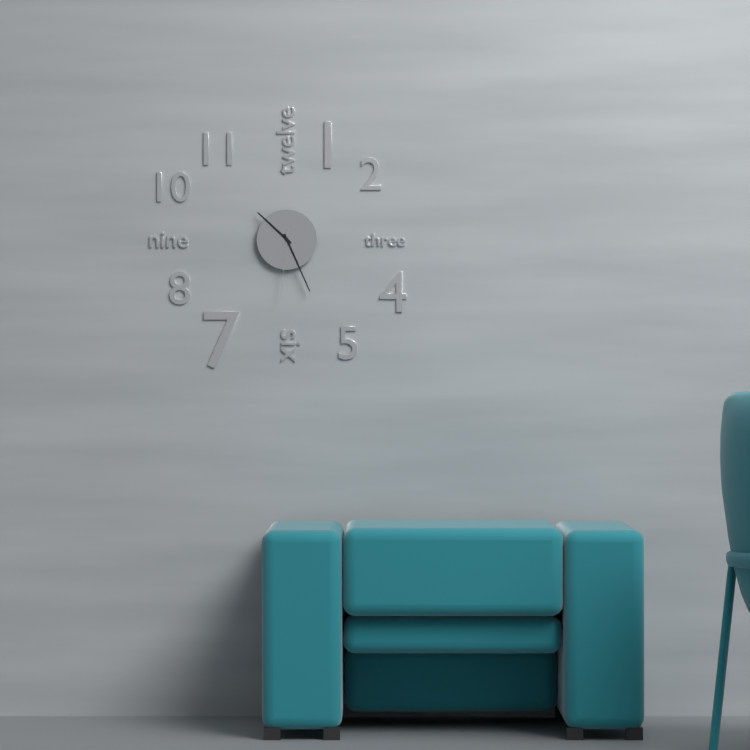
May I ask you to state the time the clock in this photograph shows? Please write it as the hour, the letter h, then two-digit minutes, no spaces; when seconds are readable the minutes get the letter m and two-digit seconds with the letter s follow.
10h26m31s
